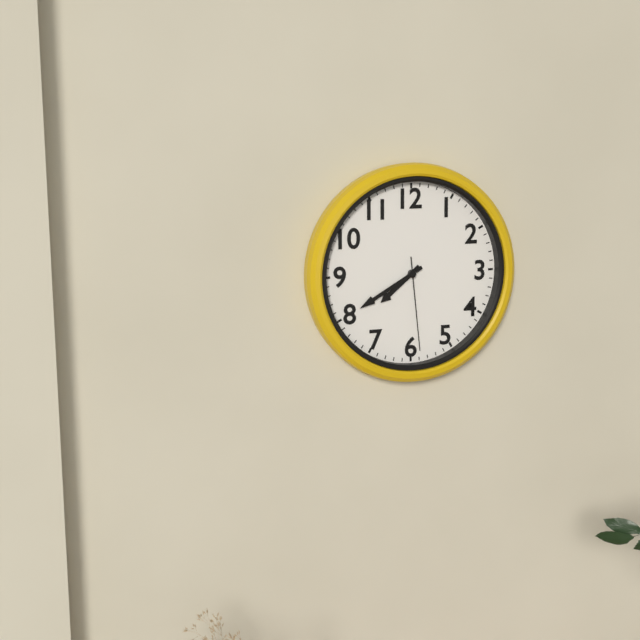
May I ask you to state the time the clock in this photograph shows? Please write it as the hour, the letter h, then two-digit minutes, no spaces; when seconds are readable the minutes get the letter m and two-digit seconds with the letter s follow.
7h40m29s
